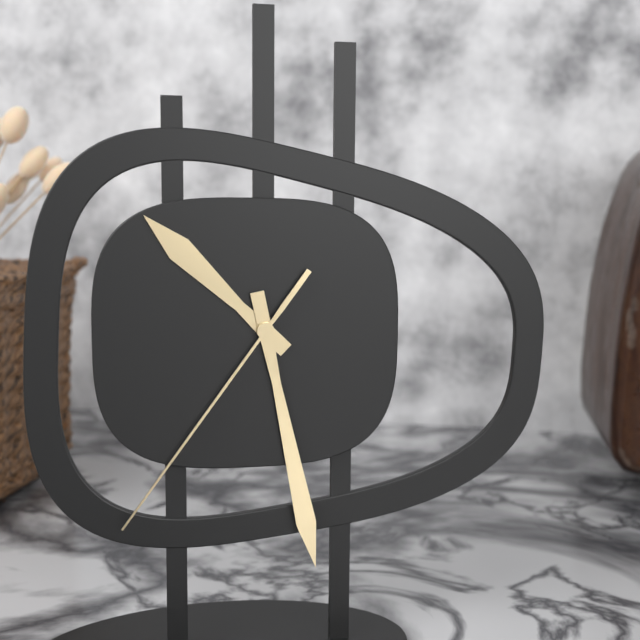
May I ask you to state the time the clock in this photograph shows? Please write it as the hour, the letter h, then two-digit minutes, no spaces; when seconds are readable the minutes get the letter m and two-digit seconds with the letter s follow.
10h28m36s
